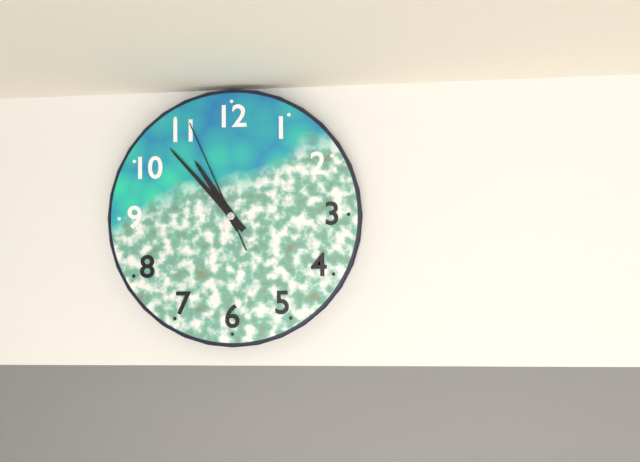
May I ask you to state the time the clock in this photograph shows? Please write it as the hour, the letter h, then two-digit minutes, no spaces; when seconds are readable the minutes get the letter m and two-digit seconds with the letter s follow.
10h53m56s
